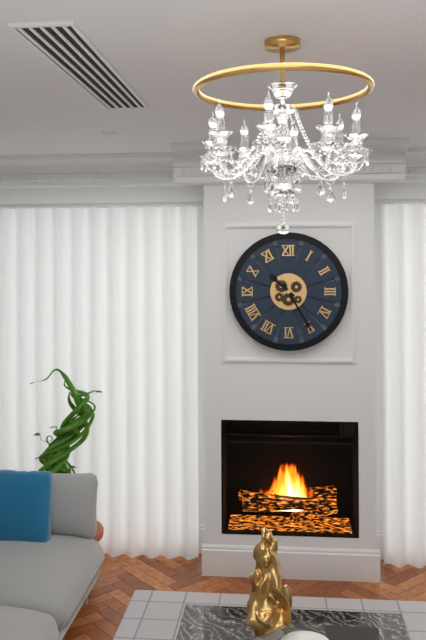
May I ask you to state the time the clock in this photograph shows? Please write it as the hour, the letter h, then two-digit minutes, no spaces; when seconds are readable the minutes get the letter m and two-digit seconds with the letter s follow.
10h25
